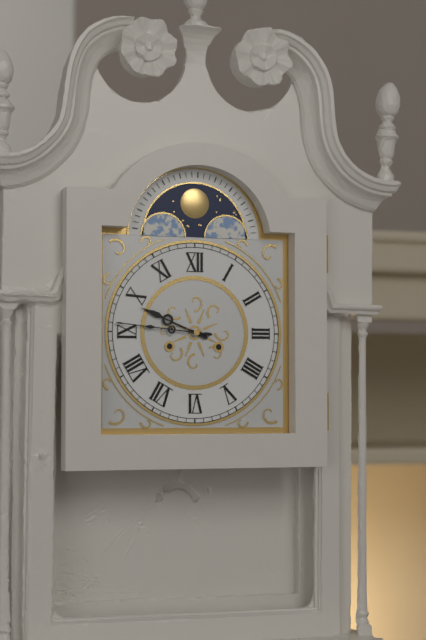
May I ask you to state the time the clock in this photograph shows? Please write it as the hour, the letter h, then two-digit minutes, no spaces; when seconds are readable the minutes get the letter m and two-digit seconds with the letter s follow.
9h46
